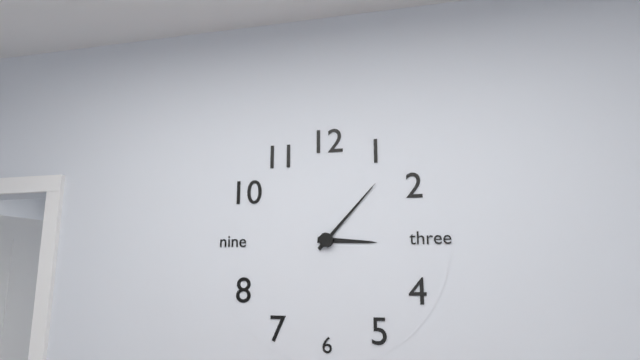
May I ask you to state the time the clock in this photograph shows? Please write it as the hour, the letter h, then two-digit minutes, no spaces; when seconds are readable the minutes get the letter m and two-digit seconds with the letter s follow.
3h07
